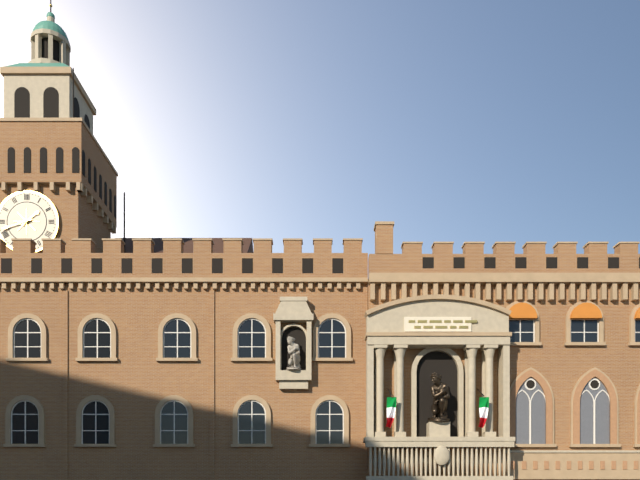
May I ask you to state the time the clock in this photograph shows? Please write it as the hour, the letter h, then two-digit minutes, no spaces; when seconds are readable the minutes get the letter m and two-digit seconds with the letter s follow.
1h42
